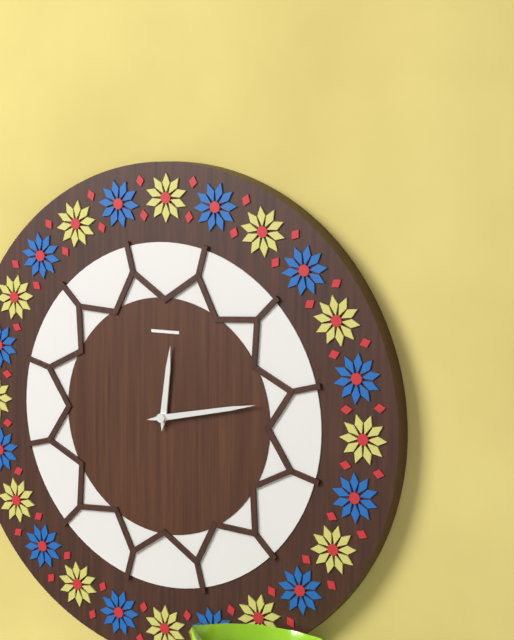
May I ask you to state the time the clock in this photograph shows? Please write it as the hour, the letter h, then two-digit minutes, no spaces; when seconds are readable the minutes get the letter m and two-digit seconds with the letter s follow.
12h13
